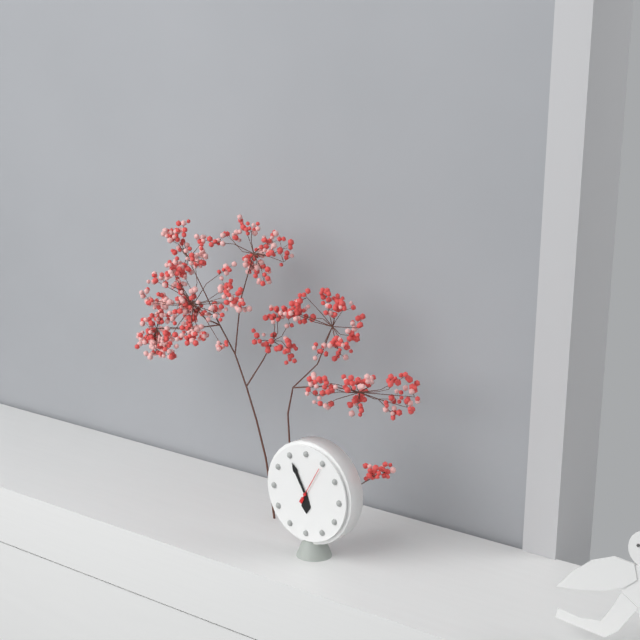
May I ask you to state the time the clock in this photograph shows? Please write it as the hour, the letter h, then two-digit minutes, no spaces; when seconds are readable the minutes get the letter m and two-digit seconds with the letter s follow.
5h55
